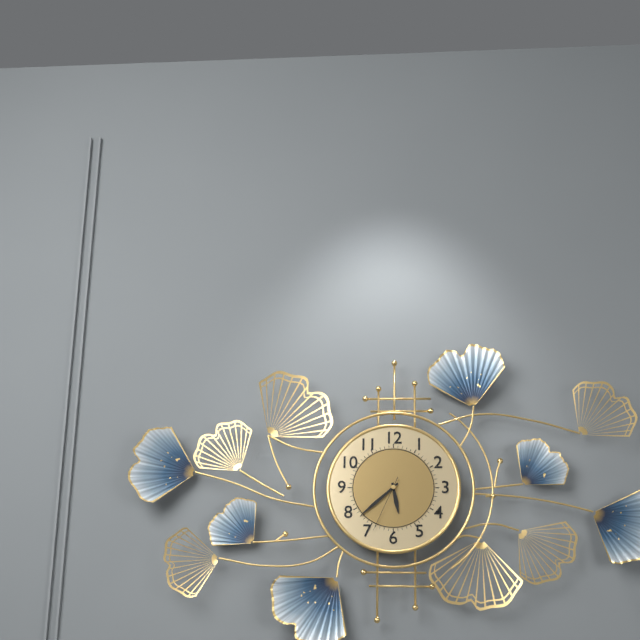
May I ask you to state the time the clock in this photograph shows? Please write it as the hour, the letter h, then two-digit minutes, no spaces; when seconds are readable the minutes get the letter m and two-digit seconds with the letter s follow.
5h38m34s
